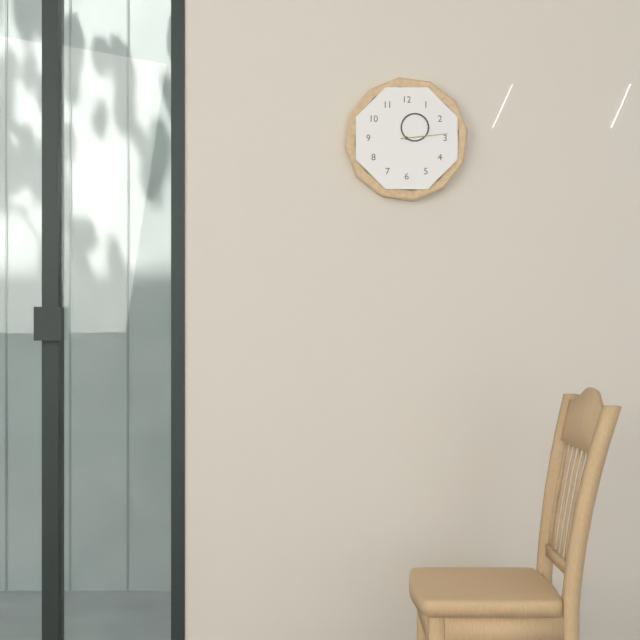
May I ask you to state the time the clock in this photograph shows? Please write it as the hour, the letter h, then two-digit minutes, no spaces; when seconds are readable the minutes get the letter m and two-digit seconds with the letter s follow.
1h14
